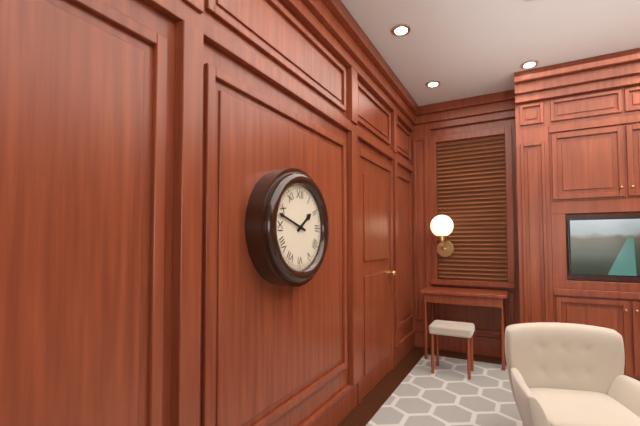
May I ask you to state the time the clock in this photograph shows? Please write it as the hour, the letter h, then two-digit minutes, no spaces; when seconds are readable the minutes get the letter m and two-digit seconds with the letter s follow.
1h48
